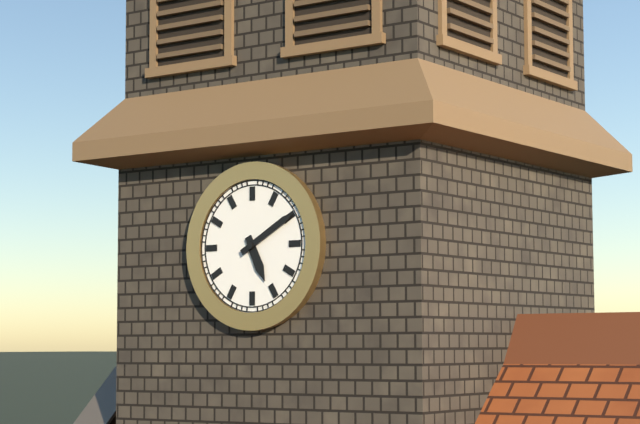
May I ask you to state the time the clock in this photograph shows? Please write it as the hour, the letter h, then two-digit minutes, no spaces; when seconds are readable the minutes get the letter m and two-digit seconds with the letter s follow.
5h10
